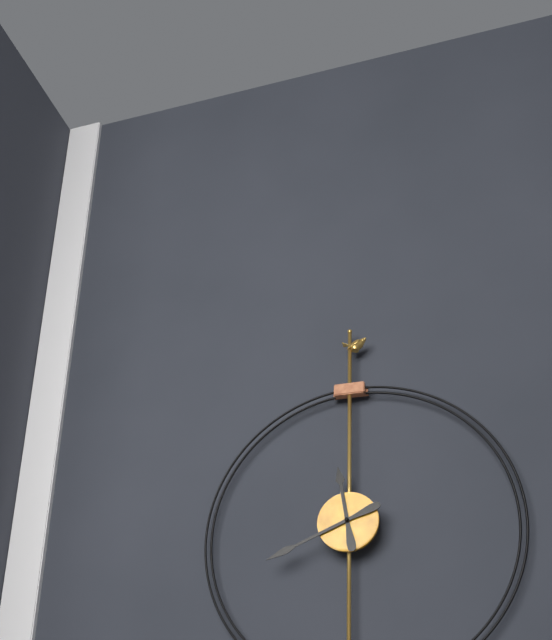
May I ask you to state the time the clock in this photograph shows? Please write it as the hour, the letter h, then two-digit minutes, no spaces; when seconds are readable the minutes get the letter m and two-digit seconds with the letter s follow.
11h41
